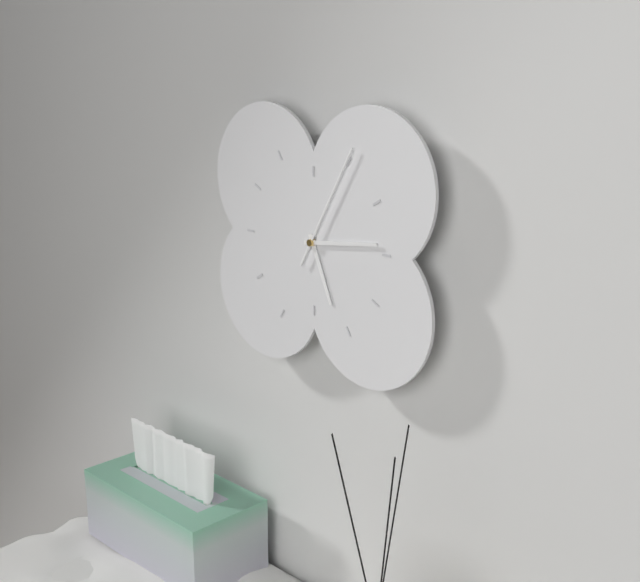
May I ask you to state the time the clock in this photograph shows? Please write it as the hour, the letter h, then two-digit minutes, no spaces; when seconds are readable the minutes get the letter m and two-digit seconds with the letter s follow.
5h14m05s
